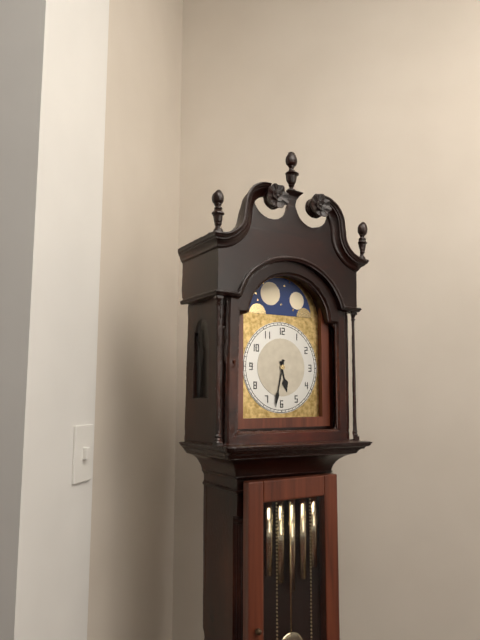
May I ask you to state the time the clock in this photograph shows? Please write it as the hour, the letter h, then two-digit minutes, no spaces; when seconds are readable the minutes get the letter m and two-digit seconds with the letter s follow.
5h32
